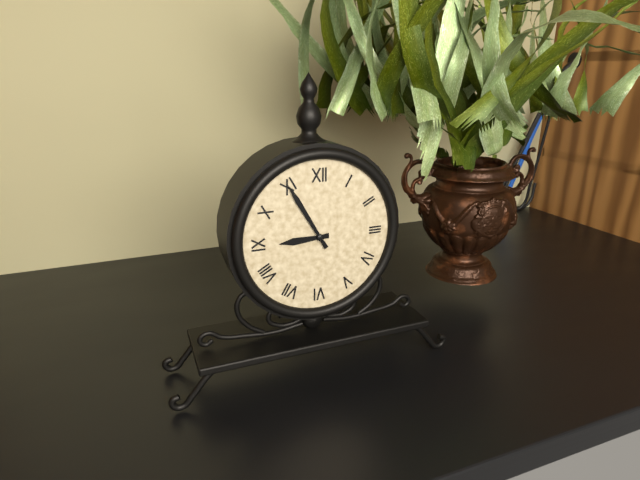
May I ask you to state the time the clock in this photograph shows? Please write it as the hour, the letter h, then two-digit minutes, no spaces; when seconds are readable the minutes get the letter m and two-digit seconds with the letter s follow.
8h55
